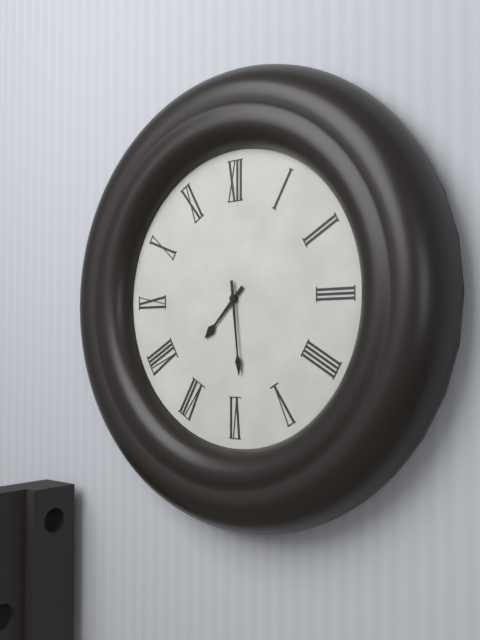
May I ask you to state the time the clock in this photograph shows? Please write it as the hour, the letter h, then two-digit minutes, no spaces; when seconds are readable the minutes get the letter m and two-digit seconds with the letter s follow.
7h29
